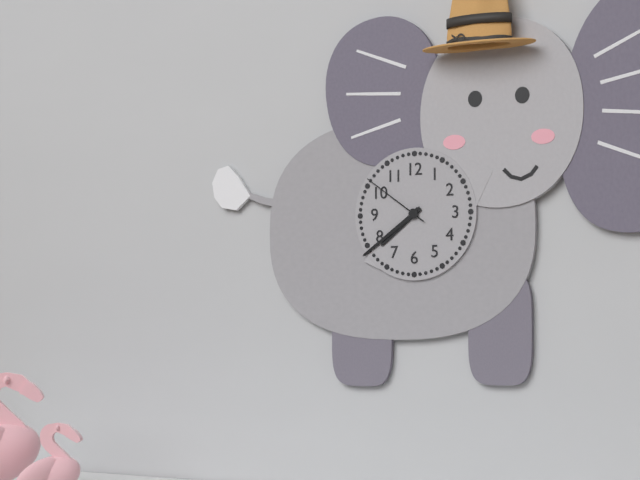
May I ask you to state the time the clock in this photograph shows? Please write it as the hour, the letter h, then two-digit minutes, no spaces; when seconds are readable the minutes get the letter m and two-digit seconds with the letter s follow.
7h39m51s
